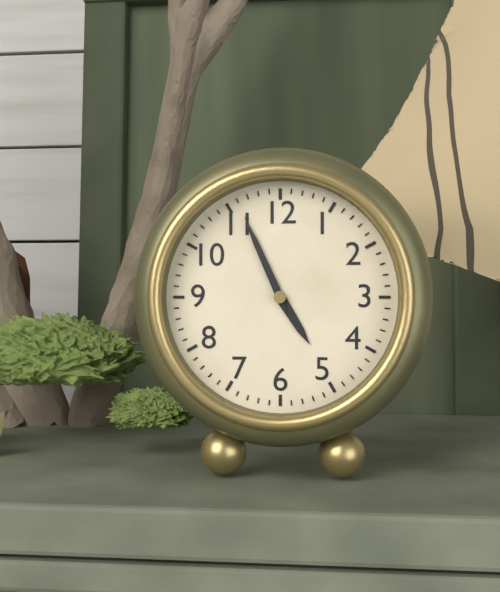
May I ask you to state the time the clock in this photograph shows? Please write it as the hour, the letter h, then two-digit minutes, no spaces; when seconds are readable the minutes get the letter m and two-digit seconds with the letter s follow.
4h56
